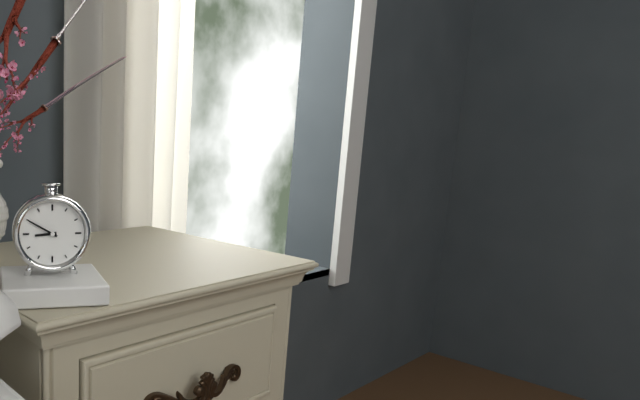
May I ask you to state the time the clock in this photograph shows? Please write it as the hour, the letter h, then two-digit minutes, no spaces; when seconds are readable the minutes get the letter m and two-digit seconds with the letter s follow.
8h50
